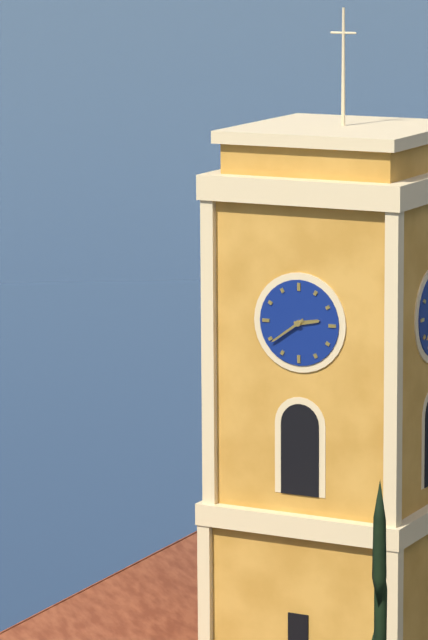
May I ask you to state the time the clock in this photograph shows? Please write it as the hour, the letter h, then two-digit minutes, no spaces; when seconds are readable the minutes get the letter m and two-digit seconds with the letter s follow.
2h39
